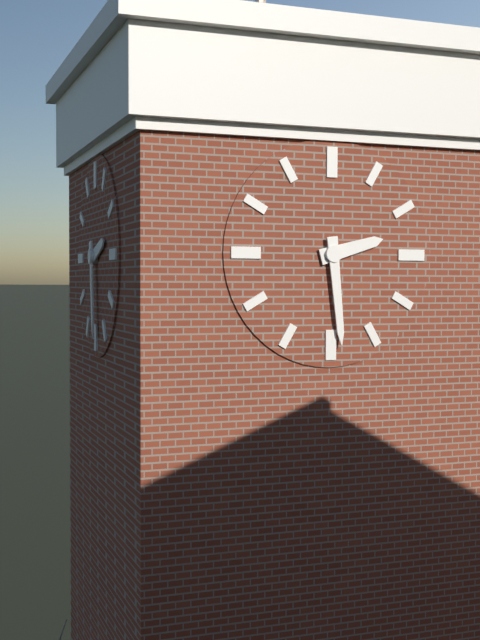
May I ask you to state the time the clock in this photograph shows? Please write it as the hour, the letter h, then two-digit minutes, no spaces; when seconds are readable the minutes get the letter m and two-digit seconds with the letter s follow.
2h29
